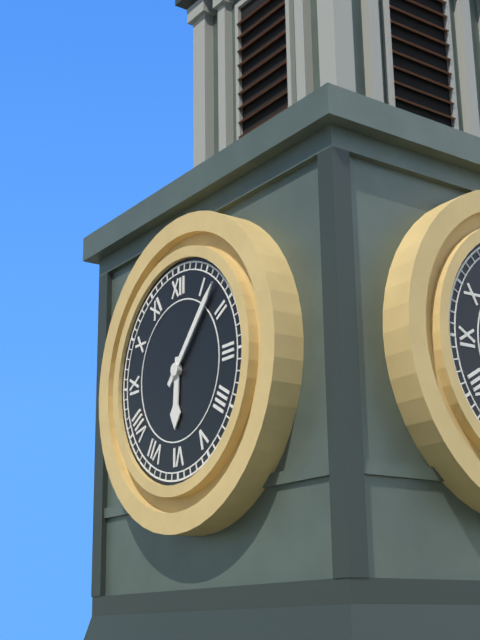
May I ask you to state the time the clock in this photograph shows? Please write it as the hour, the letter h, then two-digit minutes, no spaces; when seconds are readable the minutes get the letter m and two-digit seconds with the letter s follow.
6h07
